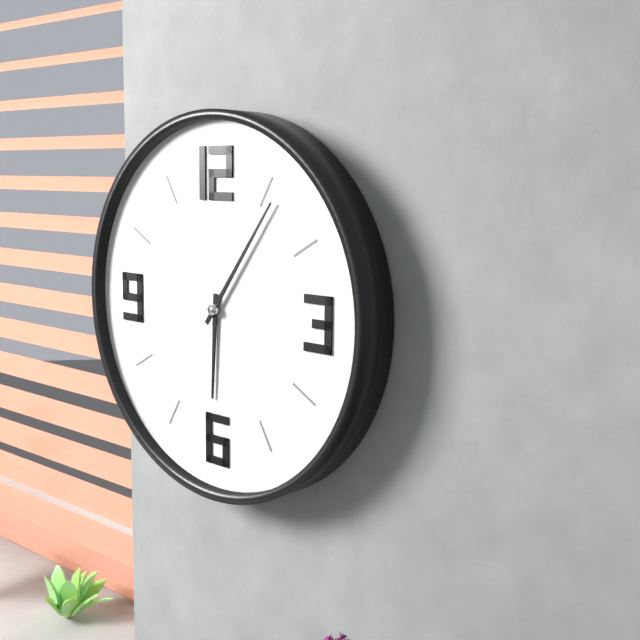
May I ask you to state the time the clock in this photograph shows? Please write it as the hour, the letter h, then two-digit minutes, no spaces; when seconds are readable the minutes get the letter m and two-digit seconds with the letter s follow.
6h06
